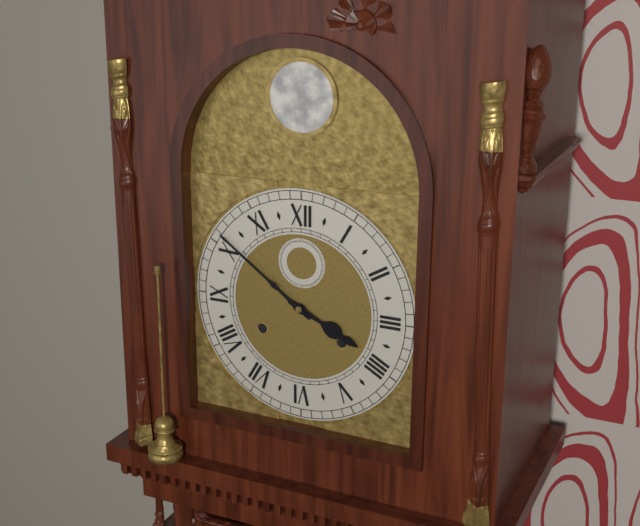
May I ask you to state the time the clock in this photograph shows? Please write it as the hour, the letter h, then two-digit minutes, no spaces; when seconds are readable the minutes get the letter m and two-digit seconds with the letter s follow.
3h51
